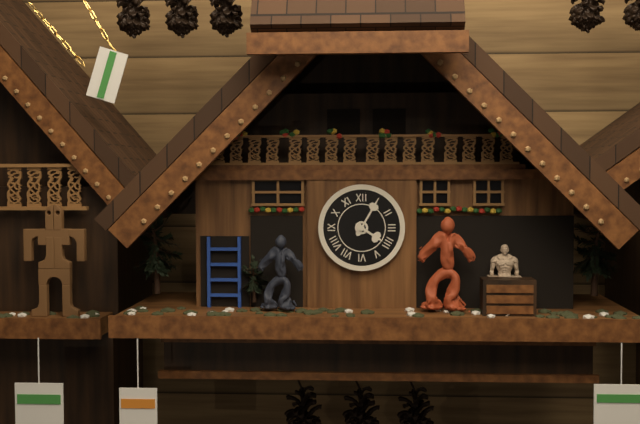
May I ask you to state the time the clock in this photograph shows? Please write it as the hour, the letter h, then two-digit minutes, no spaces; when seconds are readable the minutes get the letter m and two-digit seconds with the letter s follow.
4h05
